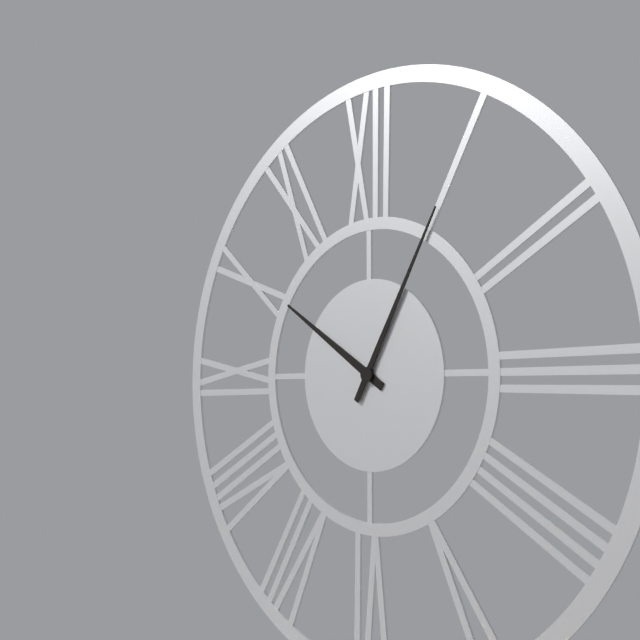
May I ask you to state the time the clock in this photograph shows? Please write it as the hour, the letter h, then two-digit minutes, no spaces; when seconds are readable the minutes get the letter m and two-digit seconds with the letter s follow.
10h05
